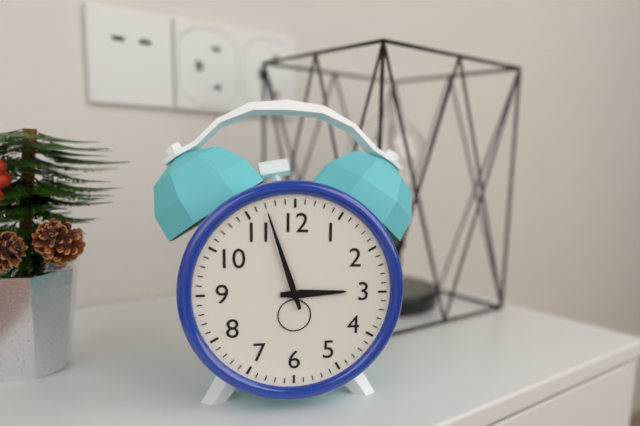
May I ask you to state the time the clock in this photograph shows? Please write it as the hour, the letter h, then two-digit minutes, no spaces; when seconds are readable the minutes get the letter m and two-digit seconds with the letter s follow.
2h57
